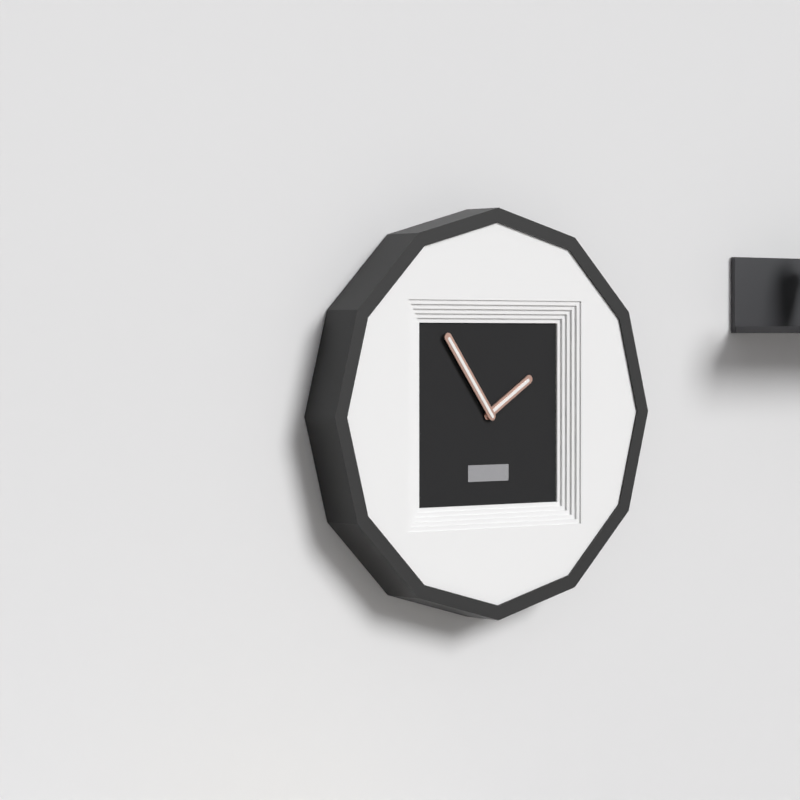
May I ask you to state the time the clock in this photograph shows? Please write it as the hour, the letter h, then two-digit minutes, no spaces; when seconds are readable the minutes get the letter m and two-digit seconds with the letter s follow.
1h54
